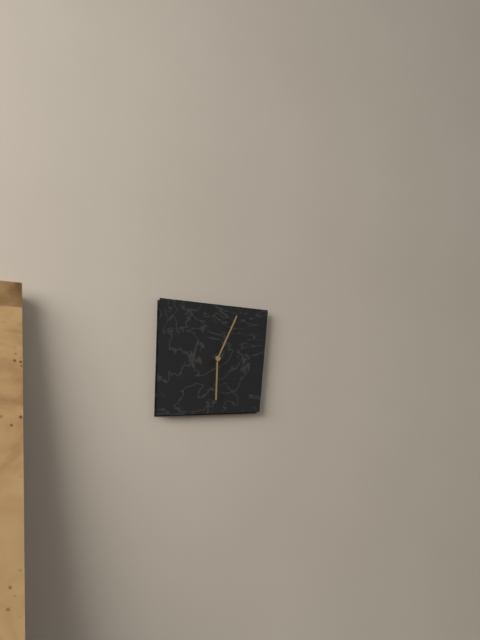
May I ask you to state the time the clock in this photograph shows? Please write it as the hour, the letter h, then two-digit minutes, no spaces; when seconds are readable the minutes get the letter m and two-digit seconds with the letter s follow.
6h04
